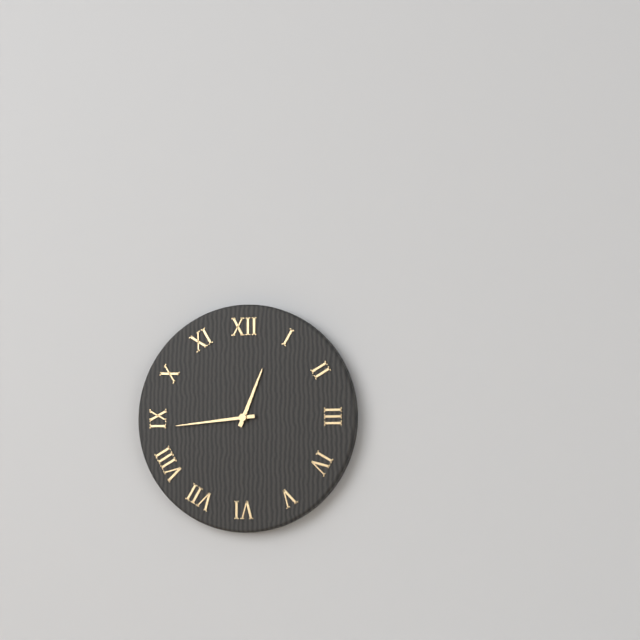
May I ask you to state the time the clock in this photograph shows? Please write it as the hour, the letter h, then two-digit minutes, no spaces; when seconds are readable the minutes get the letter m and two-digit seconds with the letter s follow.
12h44
